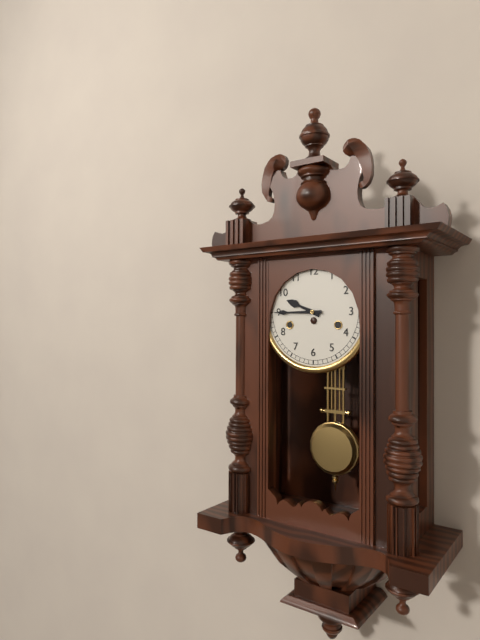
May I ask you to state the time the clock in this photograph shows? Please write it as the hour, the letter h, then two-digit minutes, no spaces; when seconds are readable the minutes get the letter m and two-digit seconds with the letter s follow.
9h45
